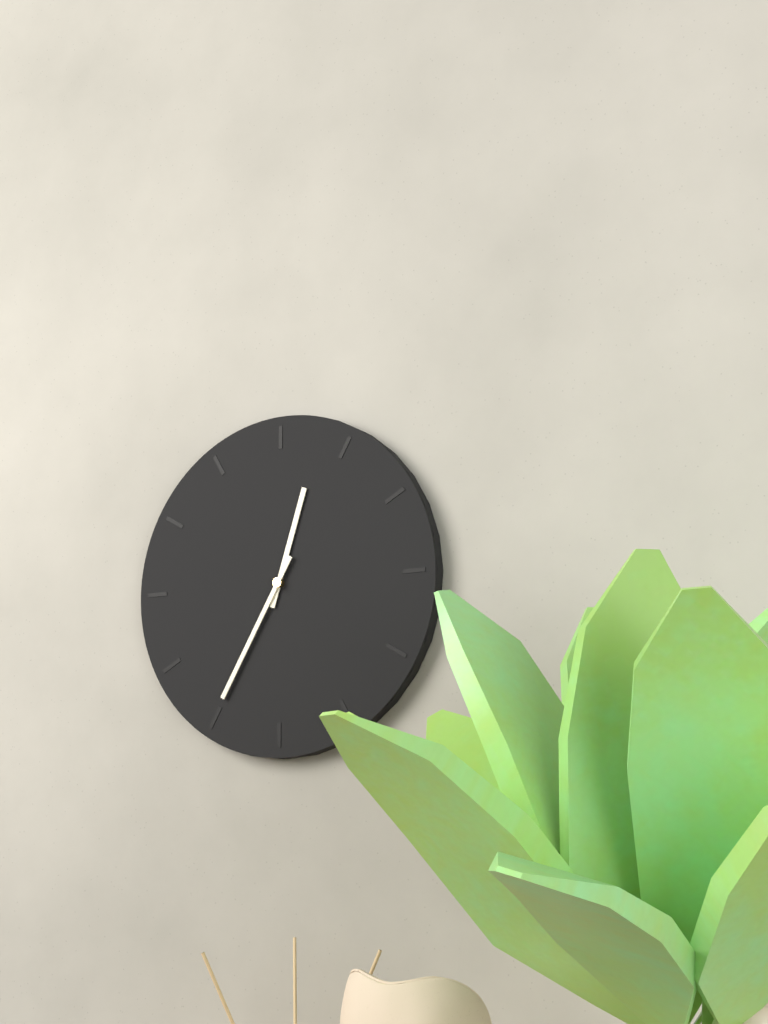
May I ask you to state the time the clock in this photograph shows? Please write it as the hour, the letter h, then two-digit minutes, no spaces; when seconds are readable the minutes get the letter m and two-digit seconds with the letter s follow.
12h35
